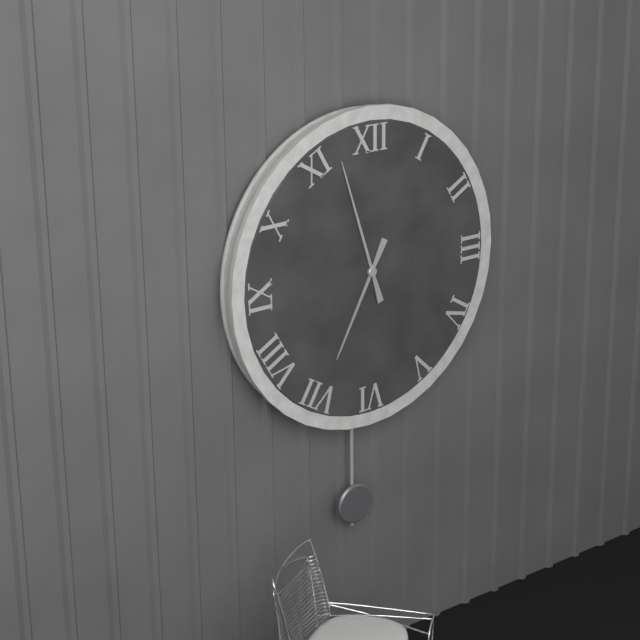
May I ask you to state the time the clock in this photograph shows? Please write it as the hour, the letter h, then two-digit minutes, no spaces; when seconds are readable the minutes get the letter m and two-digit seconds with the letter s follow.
6h57
